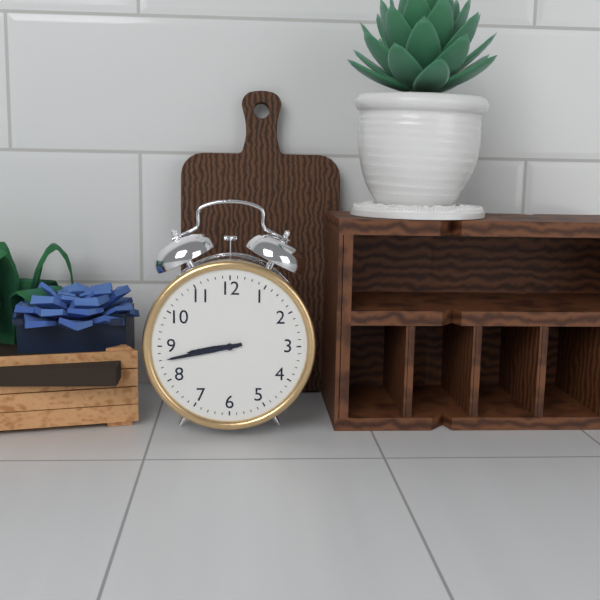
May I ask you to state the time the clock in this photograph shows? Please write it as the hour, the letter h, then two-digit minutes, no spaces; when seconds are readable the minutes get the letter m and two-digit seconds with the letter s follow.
8h43
